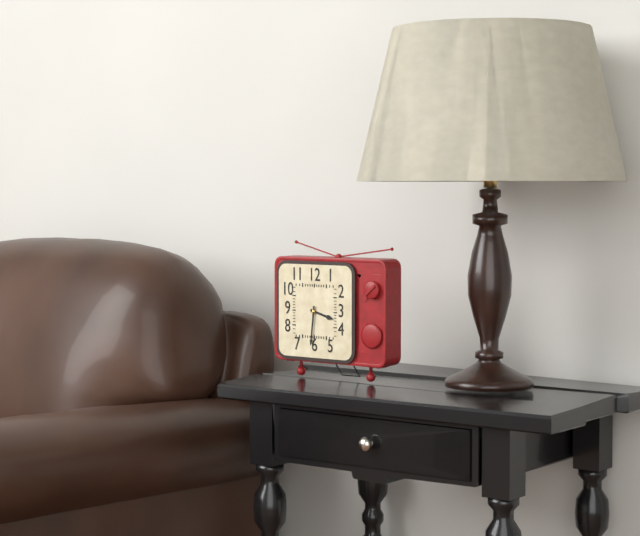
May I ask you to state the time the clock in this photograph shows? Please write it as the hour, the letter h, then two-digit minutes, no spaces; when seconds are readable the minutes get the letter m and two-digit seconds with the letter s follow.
3h31
